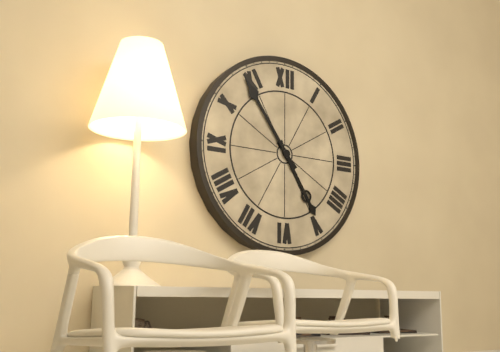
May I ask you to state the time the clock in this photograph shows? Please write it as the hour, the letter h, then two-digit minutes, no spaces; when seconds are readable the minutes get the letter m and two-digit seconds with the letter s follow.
4h54
